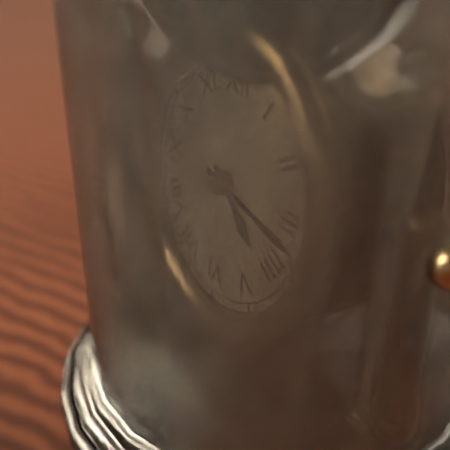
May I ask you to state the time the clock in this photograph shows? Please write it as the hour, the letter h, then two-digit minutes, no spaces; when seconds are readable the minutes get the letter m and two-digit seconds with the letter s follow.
4h17
